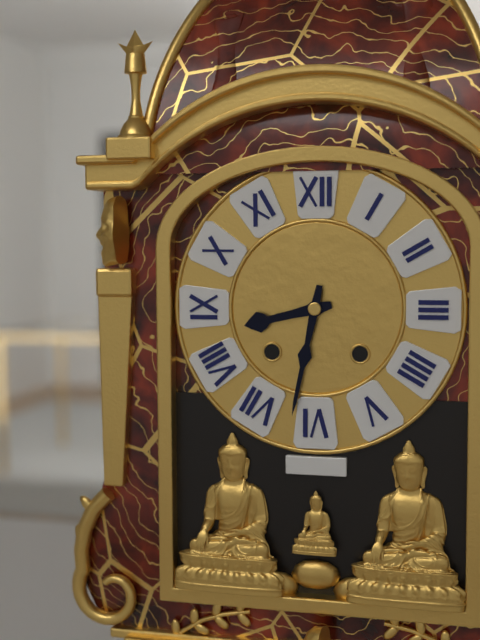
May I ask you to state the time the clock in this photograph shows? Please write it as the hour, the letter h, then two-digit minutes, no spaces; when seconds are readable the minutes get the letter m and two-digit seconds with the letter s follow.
8h32
